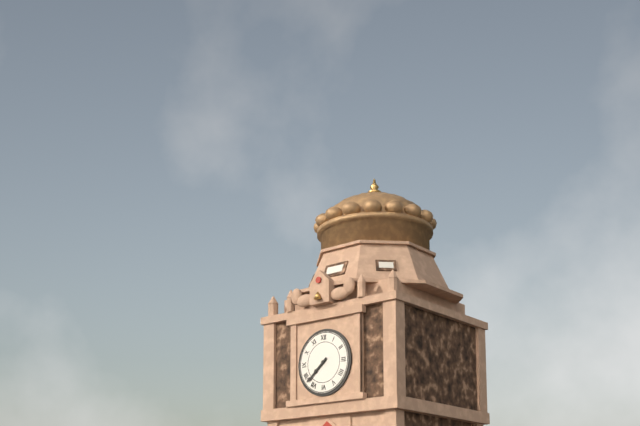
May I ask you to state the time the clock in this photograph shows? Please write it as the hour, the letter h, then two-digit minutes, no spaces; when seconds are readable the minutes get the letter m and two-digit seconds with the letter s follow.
7h38
